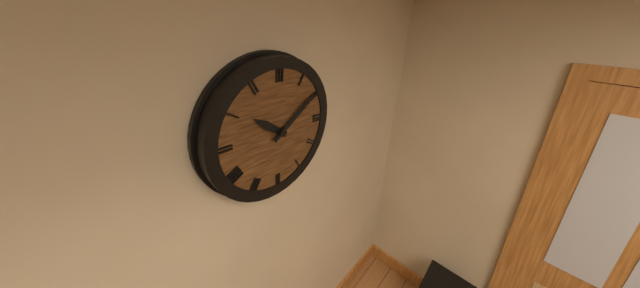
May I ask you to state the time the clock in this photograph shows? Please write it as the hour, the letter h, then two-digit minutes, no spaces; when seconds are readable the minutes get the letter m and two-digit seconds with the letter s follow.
10h09
